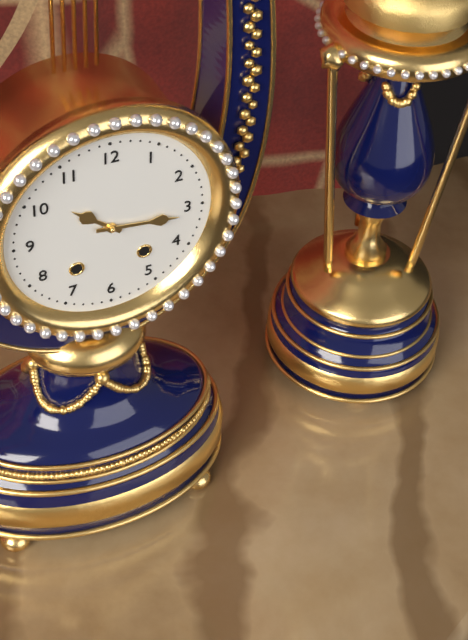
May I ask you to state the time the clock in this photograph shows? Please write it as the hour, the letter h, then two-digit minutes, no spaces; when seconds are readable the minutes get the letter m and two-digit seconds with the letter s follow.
10h16
